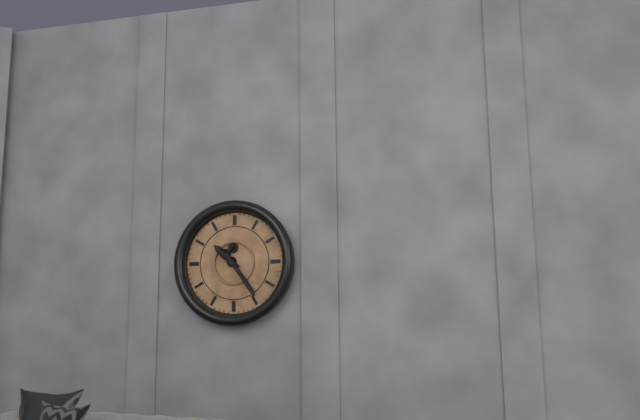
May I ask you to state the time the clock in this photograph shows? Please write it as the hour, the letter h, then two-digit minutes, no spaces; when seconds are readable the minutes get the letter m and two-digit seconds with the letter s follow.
10h24
